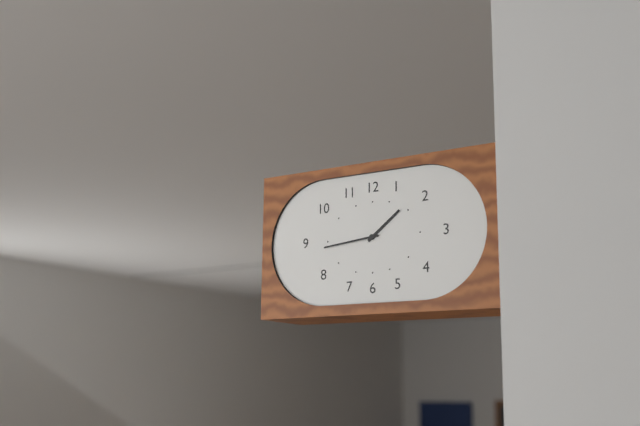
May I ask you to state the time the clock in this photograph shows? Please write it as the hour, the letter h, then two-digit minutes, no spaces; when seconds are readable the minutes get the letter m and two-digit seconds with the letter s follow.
1h44
